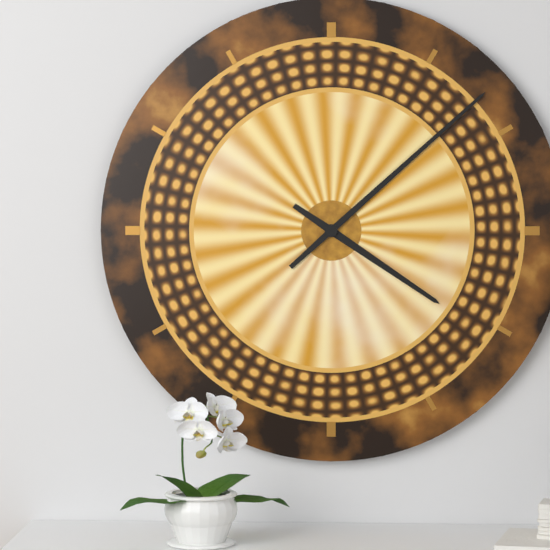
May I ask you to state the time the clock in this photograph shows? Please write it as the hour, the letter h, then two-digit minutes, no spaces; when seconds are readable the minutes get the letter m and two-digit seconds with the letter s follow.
4h08
